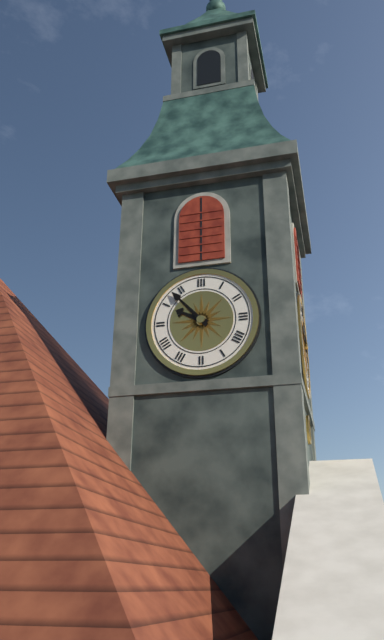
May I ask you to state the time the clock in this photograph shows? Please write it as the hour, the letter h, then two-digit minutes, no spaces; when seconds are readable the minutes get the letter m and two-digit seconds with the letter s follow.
9h53
